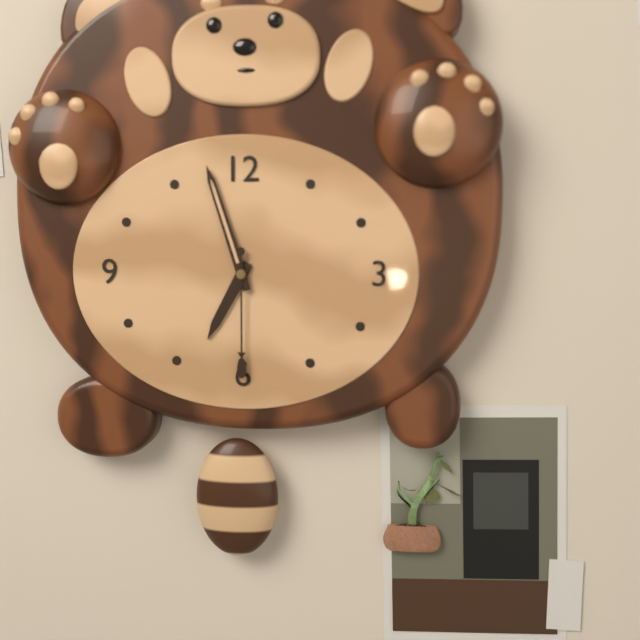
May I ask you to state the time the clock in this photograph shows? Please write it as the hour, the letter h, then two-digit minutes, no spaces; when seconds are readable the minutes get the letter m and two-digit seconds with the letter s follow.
6h57m30s
